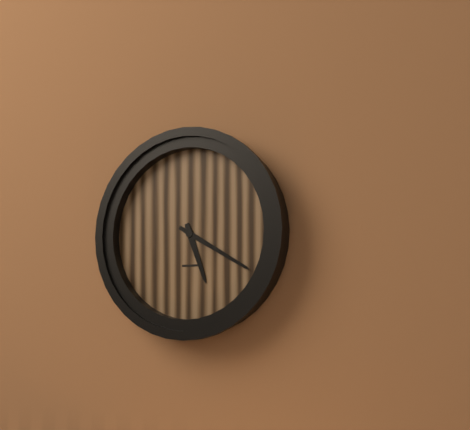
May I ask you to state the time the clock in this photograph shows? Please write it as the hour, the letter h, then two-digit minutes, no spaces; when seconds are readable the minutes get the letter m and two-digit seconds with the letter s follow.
5h20
